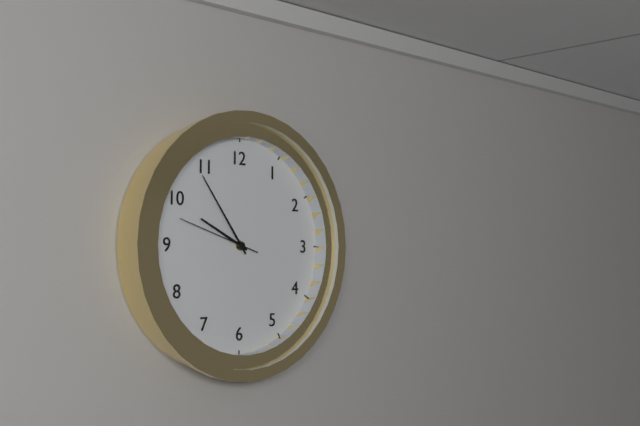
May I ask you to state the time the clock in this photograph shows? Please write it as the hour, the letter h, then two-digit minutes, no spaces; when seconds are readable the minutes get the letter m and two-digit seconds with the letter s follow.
9h54m48s
